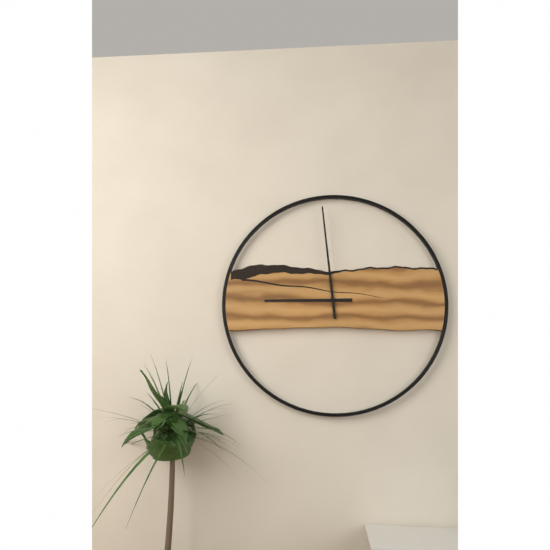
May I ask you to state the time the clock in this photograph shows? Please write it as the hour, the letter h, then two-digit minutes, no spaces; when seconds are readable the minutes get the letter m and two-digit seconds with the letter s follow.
8h59
